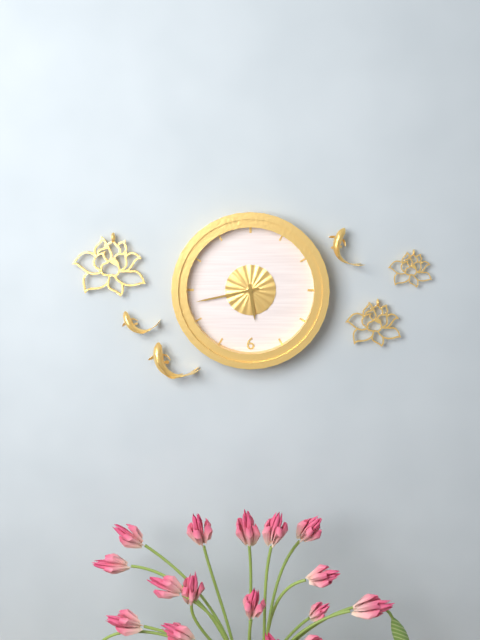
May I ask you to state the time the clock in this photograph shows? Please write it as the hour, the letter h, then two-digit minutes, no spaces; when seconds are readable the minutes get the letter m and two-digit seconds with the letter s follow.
5h43
